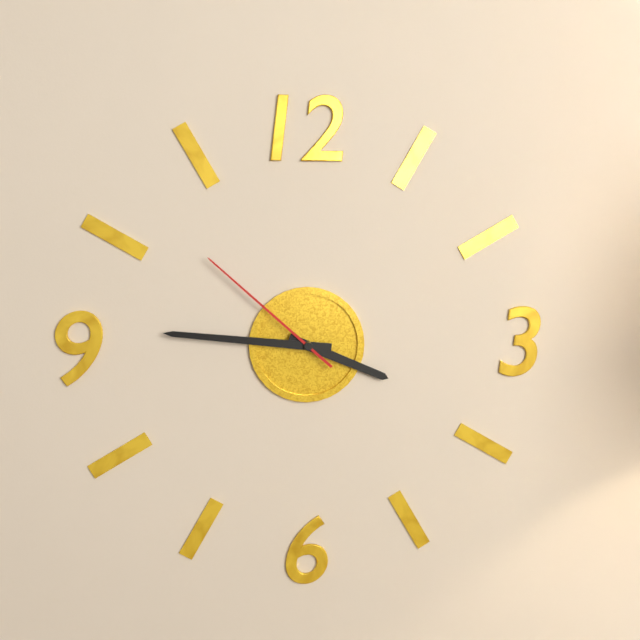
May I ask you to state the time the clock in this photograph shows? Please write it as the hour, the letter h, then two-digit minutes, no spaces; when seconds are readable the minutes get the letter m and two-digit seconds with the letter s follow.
3h46m52s
